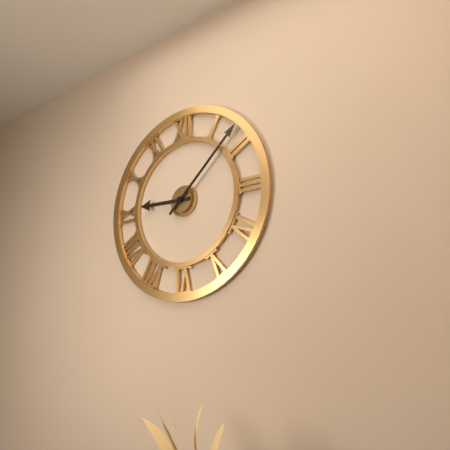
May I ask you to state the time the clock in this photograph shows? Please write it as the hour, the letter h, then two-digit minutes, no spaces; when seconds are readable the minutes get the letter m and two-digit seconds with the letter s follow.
9h08
